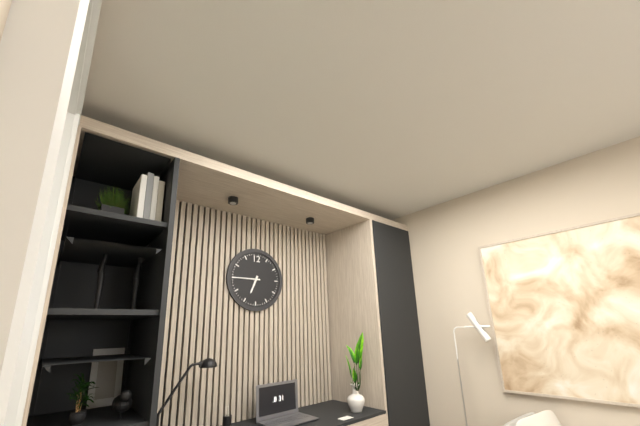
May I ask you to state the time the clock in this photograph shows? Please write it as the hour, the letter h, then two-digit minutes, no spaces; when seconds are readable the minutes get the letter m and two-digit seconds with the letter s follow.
6h45
